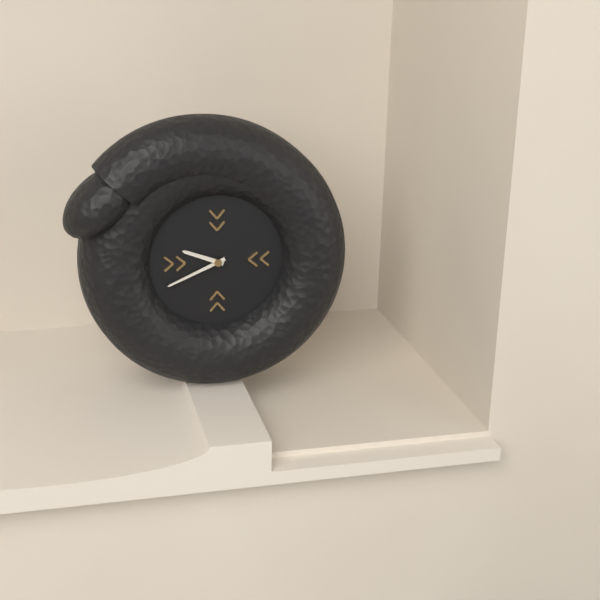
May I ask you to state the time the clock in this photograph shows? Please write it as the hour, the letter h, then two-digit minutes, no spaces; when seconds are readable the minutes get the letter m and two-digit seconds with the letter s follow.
9h41
